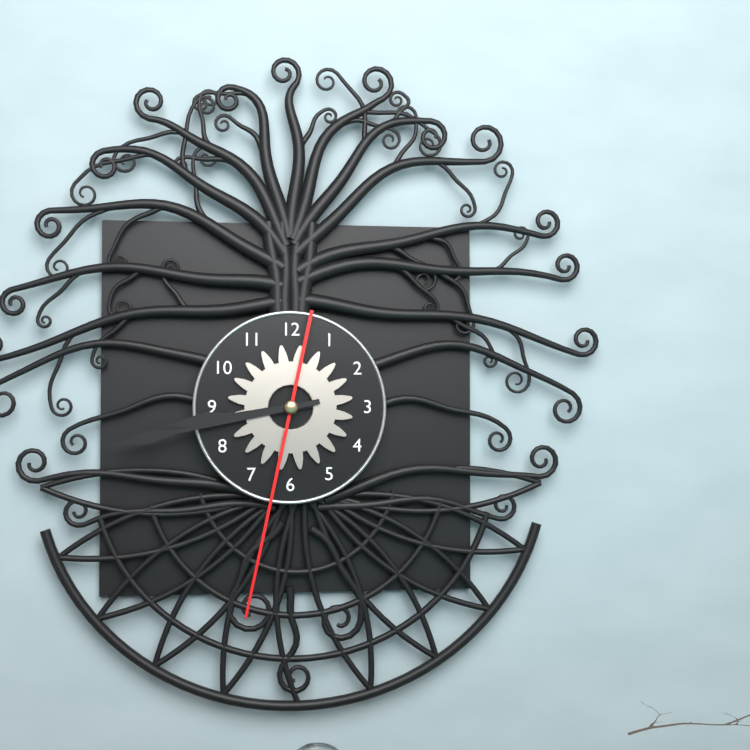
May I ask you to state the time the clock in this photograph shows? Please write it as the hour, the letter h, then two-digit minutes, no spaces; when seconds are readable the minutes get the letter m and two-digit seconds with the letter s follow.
8h43m32s
